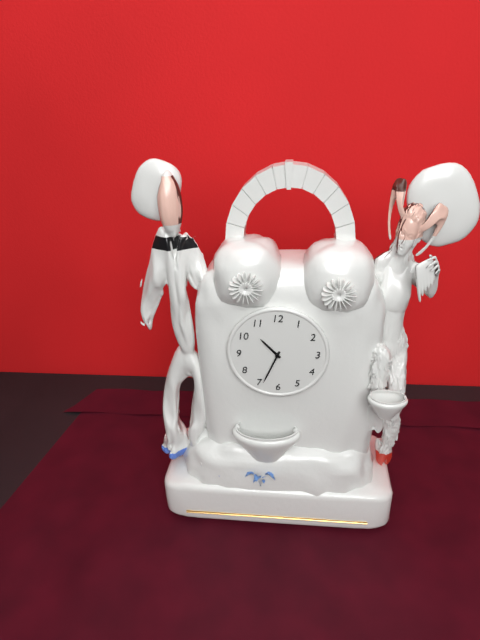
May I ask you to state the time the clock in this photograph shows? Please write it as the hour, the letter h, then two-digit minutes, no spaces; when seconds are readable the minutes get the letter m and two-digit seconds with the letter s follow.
10h34
